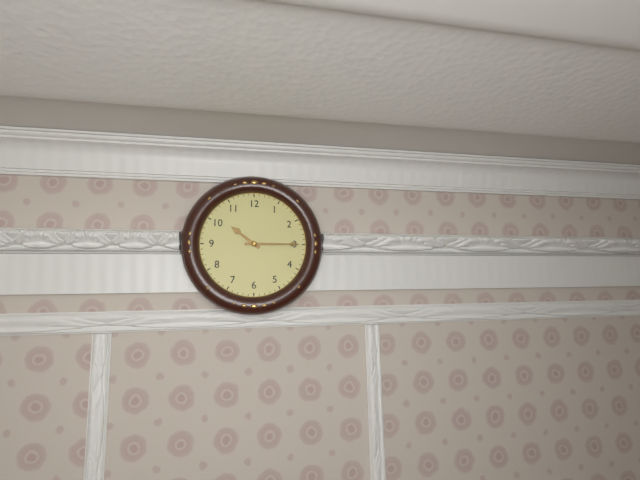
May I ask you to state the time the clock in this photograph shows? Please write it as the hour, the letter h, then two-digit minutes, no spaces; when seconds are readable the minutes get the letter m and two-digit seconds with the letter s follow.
10h15
